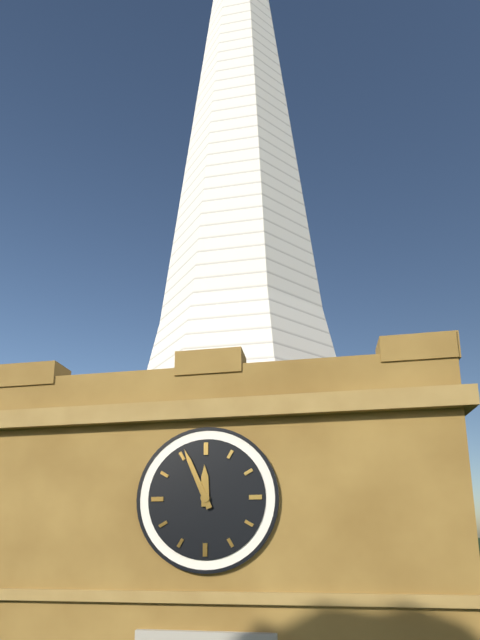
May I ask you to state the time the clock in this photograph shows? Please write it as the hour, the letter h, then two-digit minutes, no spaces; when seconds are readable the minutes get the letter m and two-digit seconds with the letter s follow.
11h56
